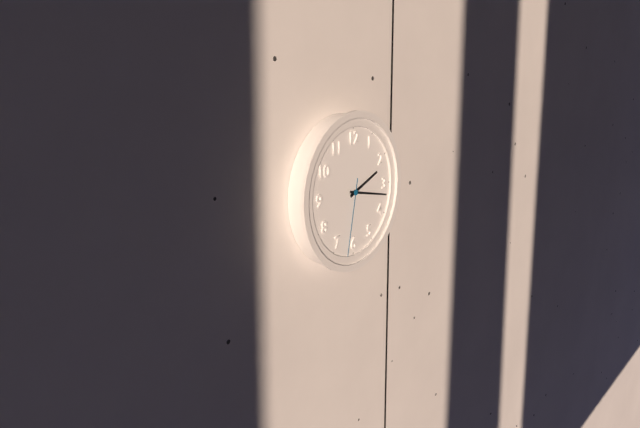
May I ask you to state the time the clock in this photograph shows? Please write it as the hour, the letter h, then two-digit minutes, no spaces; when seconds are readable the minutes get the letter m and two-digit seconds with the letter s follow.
2h17m32s
